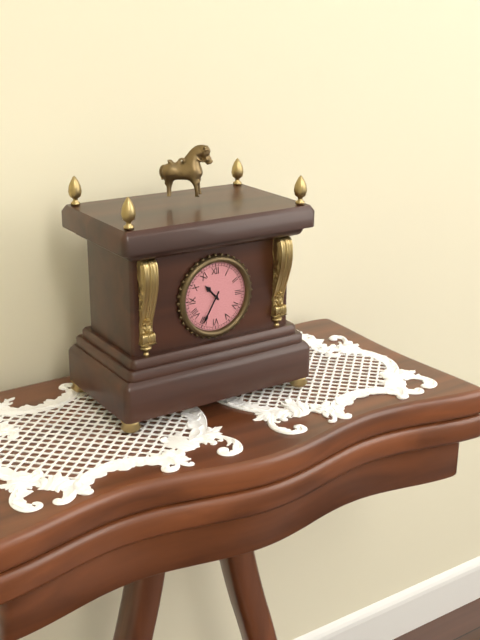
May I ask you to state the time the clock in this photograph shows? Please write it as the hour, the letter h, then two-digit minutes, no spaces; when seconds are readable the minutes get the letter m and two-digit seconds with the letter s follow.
10h35
